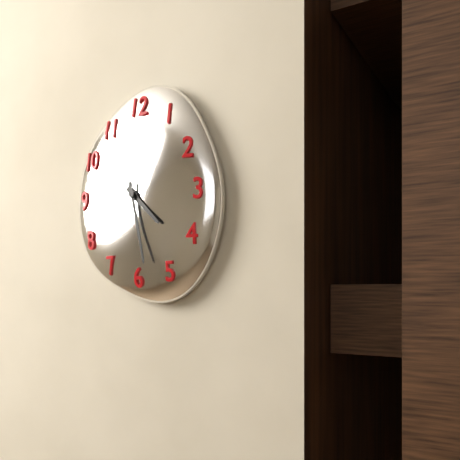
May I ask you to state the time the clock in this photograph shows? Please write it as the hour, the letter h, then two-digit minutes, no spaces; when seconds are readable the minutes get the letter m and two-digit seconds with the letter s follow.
4h28
